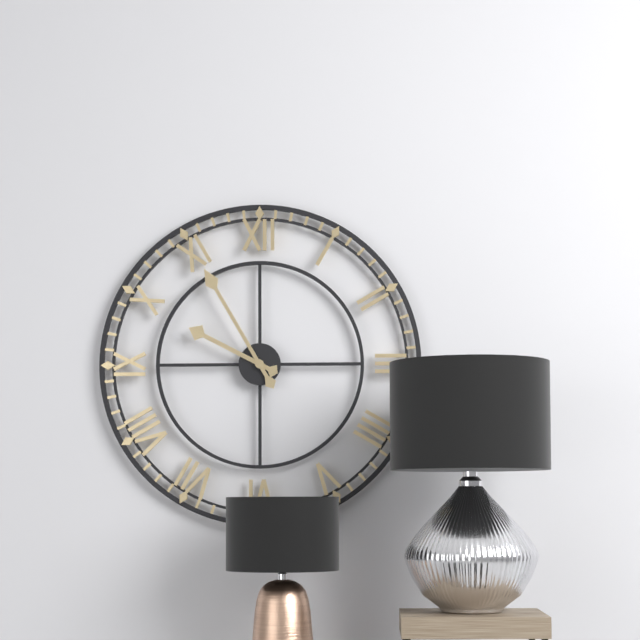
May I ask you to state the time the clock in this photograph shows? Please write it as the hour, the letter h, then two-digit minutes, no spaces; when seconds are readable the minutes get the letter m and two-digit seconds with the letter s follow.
9h55
